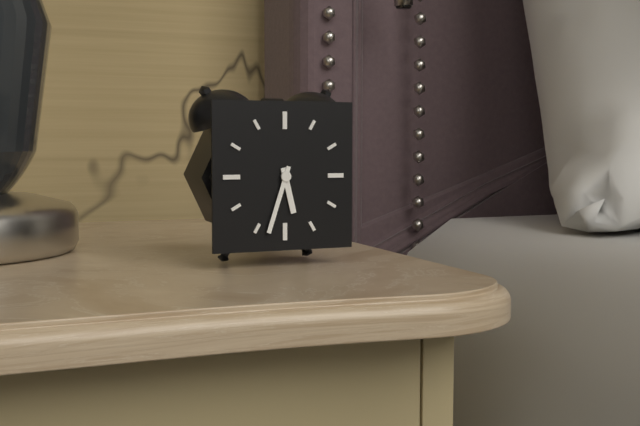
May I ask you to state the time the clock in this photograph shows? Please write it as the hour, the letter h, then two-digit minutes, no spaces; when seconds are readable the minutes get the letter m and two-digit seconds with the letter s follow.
5h33
